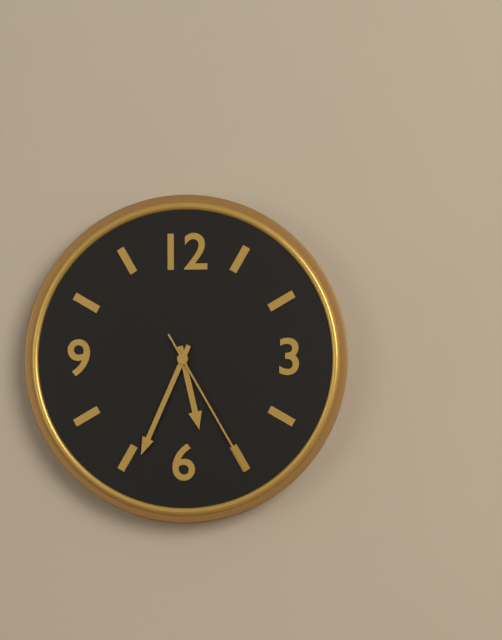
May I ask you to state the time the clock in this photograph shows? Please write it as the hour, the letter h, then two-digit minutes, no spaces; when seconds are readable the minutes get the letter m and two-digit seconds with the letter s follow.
5h34m25s
